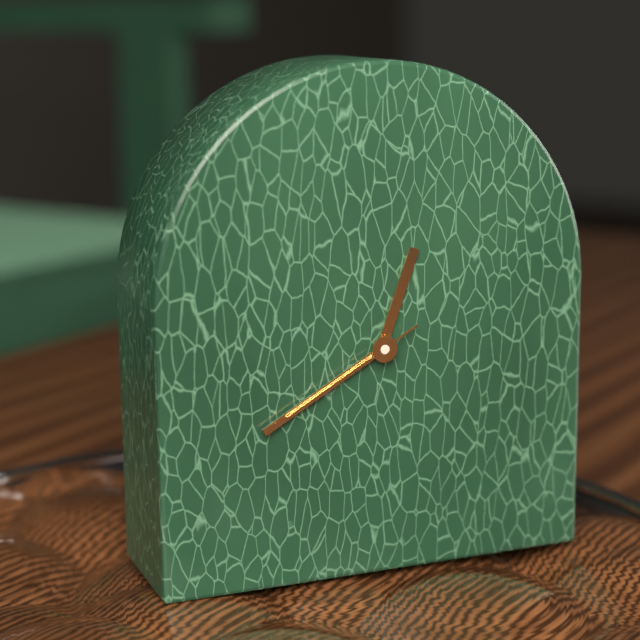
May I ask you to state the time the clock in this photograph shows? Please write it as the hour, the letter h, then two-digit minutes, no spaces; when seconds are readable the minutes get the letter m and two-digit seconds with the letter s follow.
12h40m40s
